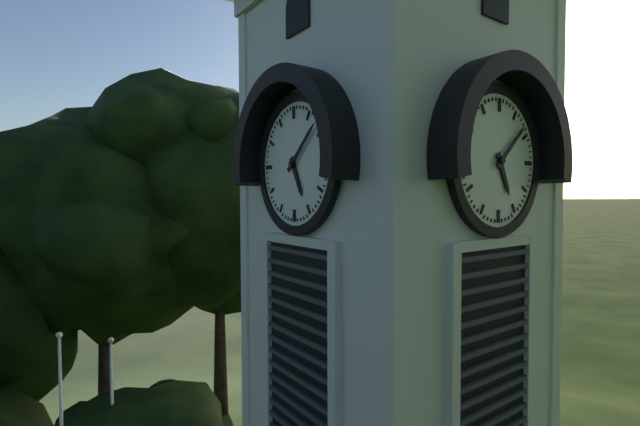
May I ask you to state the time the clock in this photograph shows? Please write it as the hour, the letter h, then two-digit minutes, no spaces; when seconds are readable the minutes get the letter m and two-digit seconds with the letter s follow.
5h08
